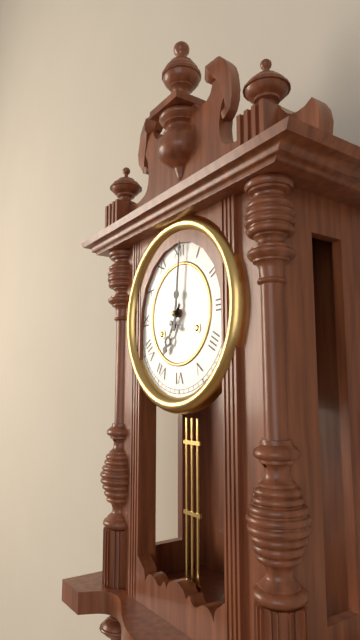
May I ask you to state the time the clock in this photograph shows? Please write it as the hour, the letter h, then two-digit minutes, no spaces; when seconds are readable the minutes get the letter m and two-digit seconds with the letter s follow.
7h01
